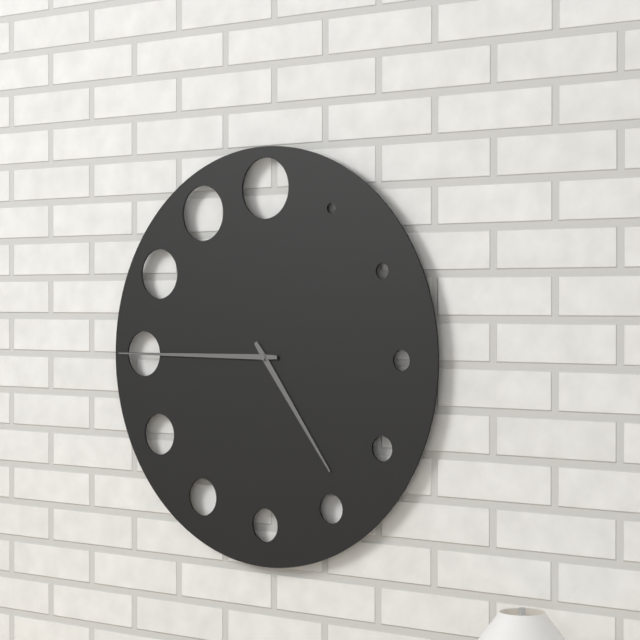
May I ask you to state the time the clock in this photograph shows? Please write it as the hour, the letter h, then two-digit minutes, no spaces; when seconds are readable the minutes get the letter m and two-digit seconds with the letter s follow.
4h45
